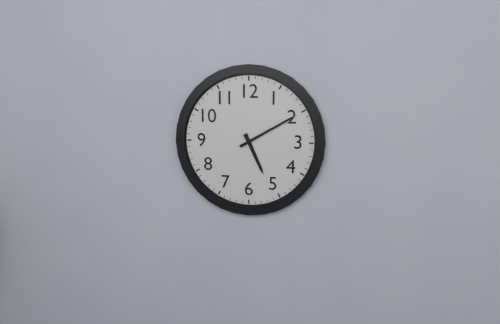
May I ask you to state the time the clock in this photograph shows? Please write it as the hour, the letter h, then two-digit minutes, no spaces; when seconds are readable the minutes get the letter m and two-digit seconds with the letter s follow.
5h10
